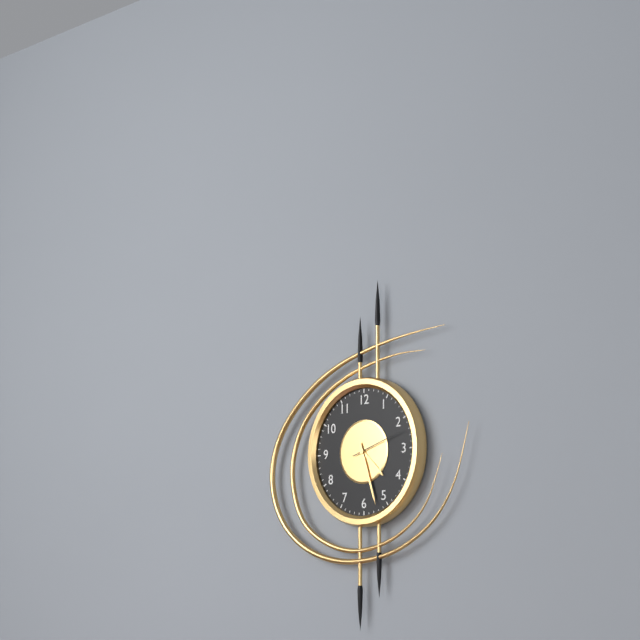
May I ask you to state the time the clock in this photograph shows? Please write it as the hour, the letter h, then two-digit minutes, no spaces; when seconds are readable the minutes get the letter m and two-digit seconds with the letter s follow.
4h27m12s
